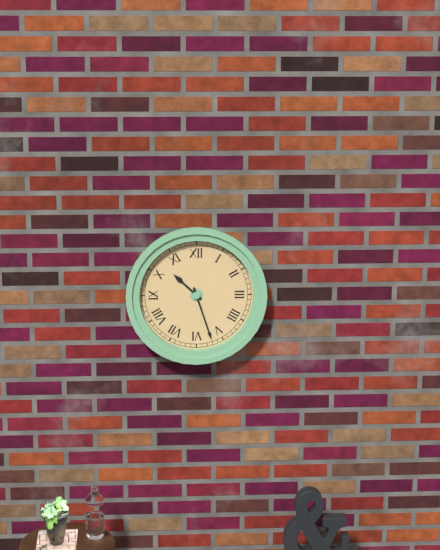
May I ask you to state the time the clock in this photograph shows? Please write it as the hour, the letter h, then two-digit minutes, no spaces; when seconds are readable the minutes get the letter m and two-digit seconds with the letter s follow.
10h27
